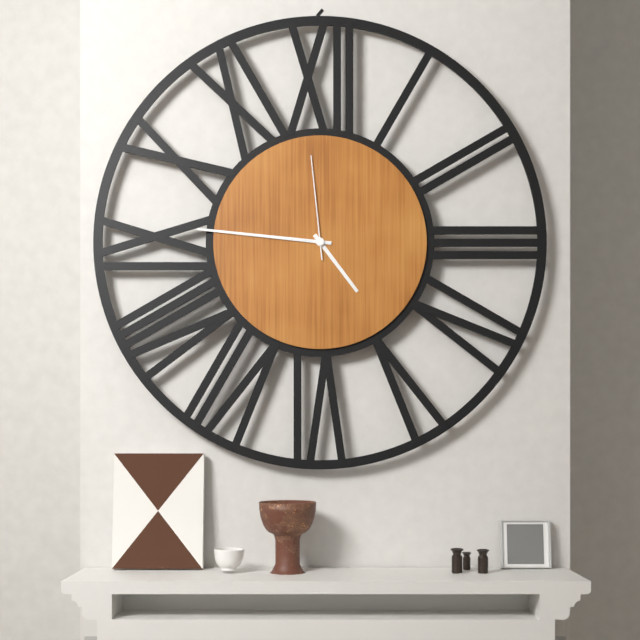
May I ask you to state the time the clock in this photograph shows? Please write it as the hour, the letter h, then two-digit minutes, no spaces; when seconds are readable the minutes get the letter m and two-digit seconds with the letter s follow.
4h46m59s
